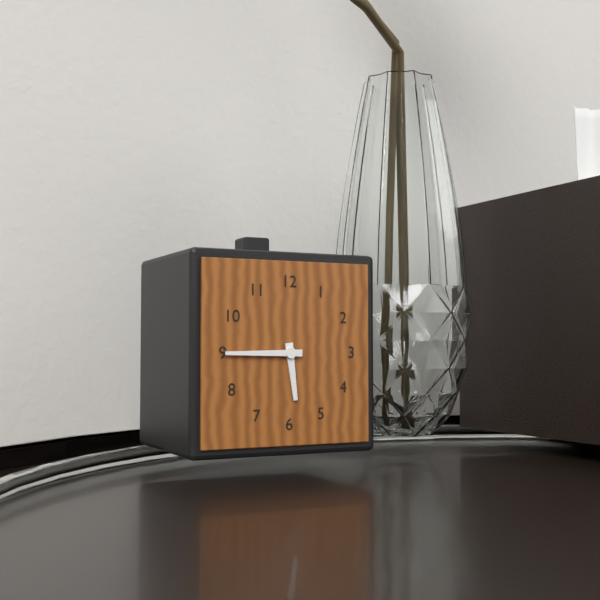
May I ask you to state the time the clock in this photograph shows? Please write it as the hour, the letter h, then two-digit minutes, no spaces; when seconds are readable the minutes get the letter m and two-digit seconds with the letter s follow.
5h45
